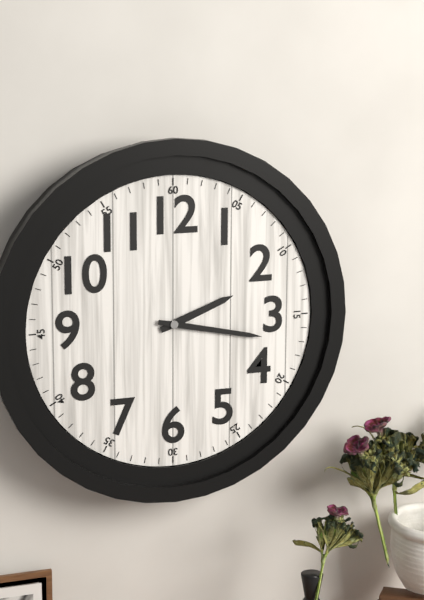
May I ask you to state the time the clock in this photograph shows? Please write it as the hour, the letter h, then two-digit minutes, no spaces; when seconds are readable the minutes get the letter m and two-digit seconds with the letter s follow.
2h17
